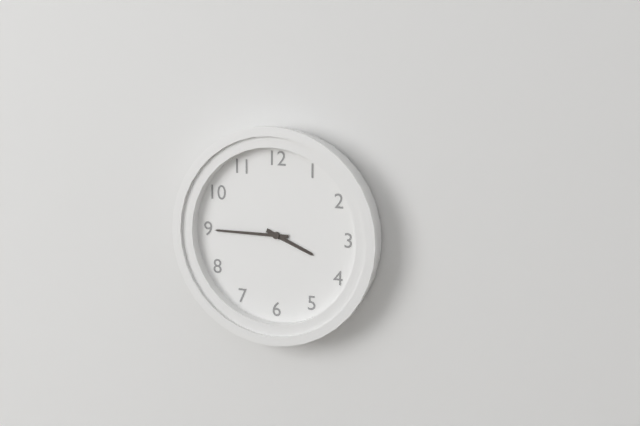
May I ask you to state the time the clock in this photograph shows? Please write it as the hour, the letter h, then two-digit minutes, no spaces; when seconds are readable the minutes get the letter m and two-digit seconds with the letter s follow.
3h45
